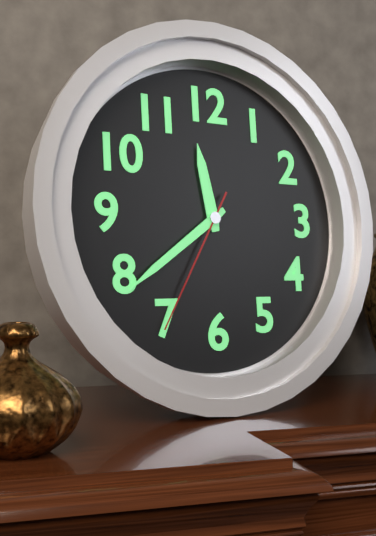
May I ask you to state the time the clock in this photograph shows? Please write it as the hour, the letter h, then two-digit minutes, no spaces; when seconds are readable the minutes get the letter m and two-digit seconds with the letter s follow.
11h39m35s
